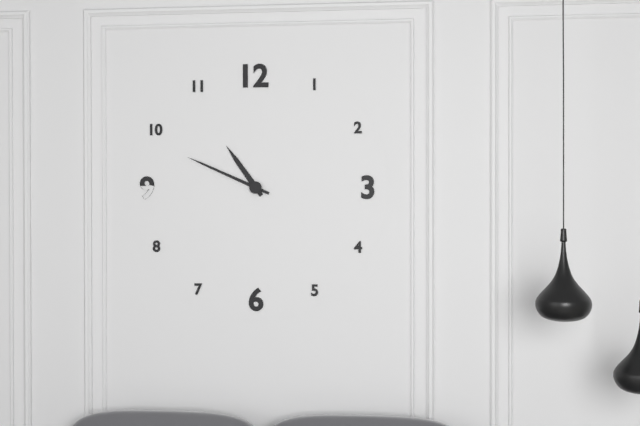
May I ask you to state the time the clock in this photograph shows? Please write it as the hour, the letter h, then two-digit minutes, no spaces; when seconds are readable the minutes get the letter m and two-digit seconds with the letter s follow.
10h49
